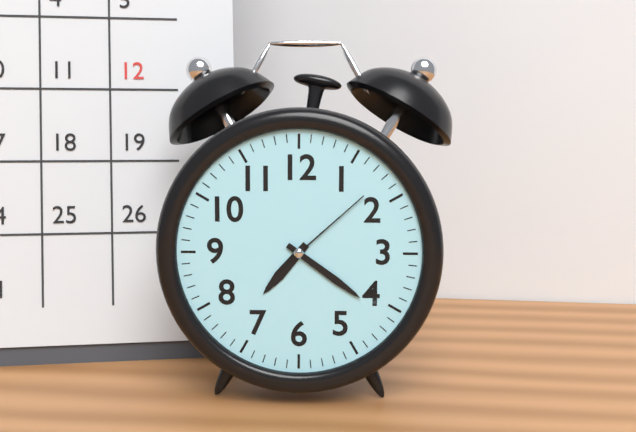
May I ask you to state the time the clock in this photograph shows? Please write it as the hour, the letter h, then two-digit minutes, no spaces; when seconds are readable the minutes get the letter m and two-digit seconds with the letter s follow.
7h21m08s
